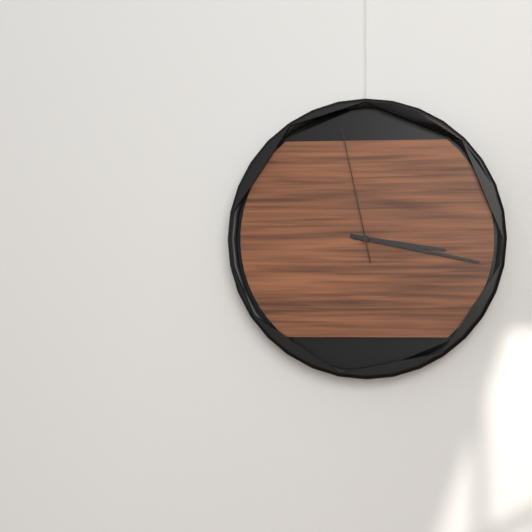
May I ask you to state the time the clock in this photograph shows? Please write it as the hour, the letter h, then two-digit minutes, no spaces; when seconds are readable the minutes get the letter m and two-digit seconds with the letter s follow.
3h17m58s
